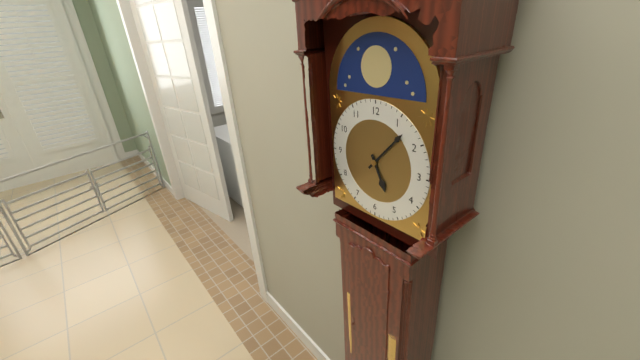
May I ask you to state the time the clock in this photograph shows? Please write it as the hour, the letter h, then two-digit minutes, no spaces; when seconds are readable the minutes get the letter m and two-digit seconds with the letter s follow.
5h07
